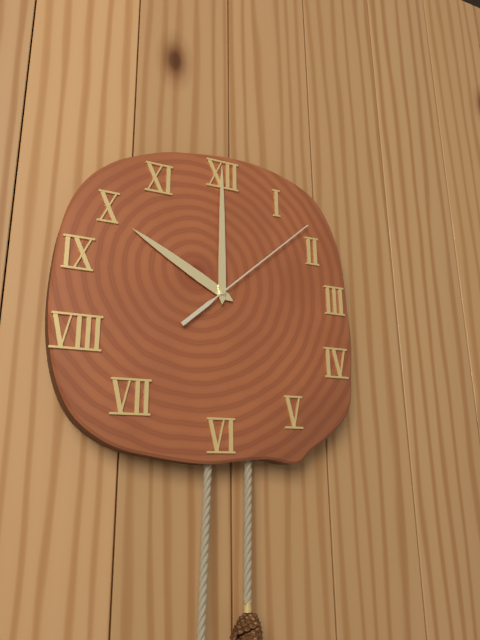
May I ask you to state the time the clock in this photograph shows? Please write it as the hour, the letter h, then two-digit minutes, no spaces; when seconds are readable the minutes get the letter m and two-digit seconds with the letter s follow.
10h00m08s
